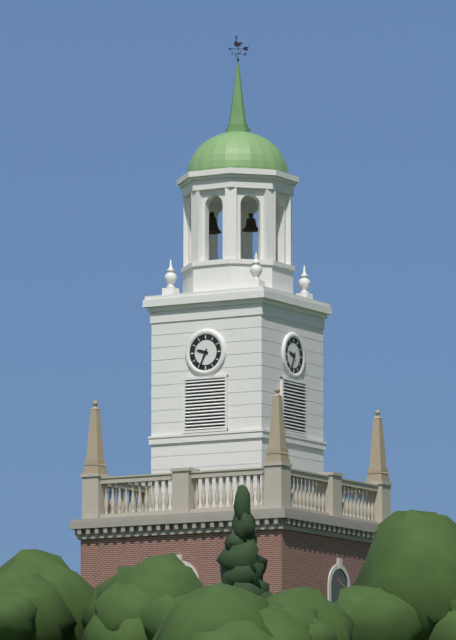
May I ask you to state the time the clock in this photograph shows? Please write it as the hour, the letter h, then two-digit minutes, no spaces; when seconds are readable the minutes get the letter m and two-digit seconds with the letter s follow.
9h34
